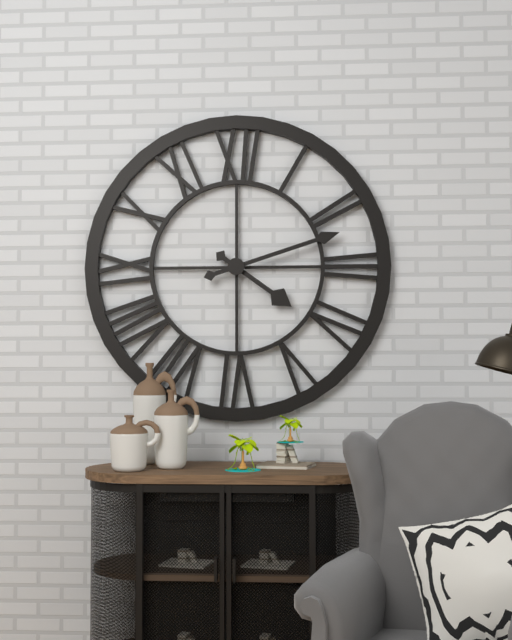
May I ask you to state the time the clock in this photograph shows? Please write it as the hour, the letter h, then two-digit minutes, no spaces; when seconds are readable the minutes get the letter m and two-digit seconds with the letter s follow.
4h12
